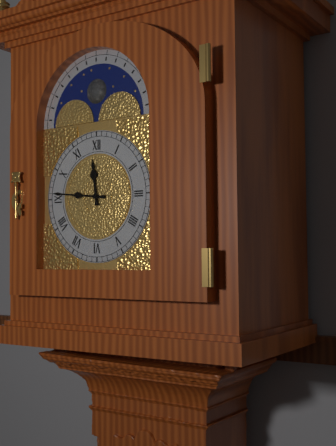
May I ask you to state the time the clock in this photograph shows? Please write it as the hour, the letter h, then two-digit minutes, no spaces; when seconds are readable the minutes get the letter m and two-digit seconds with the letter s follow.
11h46
